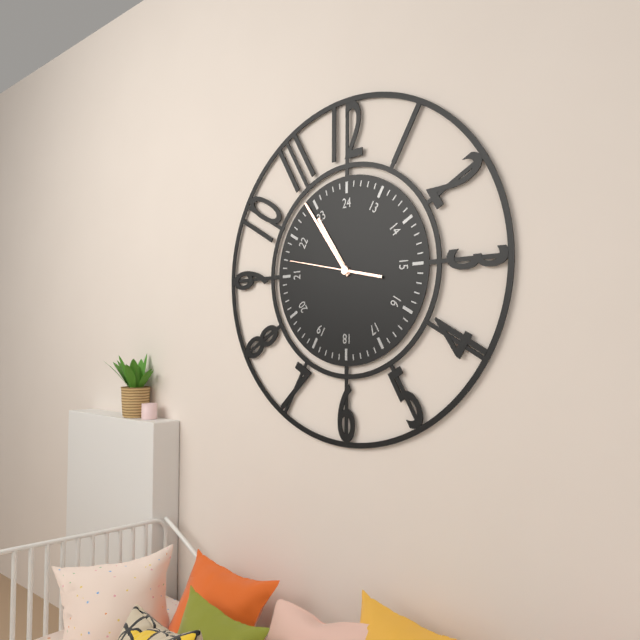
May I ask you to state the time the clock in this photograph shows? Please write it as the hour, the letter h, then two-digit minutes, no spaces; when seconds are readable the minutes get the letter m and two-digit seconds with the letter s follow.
10h54m47s
